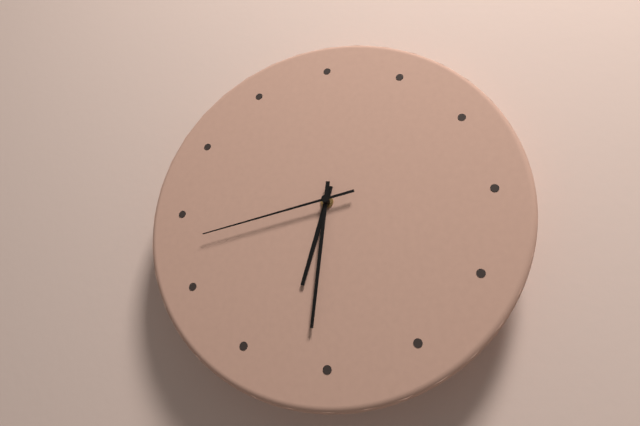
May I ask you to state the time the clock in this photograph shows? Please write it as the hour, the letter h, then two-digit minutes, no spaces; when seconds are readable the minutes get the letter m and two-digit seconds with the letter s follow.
6h31m43s
